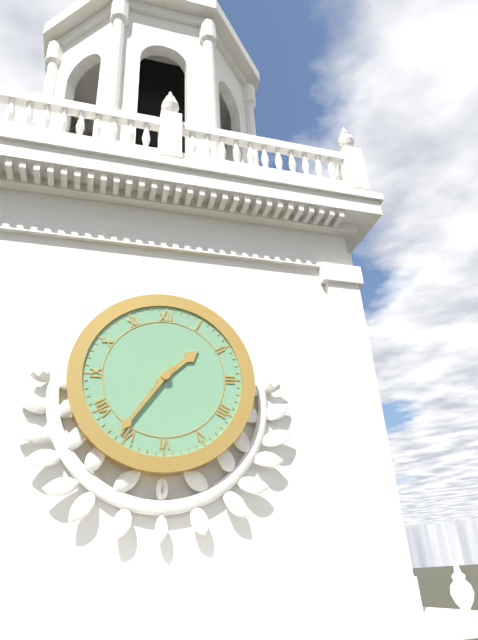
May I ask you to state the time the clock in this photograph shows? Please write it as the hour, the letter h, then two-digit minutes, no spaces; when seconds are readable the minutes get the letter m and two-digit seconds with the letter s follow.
1h36
